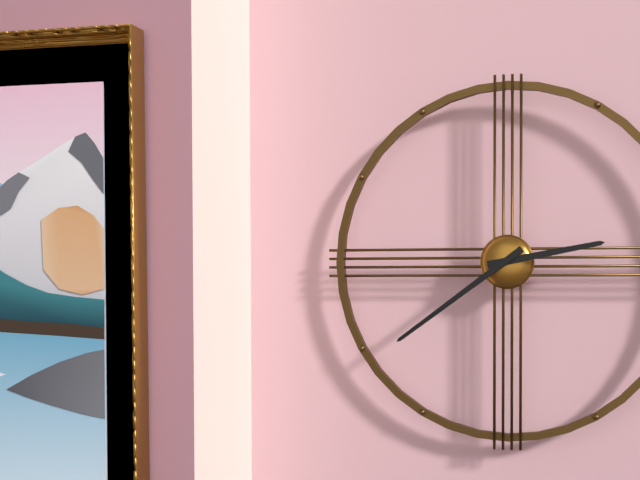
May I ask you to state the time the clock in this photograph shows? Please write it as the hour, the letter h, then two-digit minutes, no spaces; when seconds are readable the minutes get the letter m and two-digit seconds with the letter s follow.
2h39
